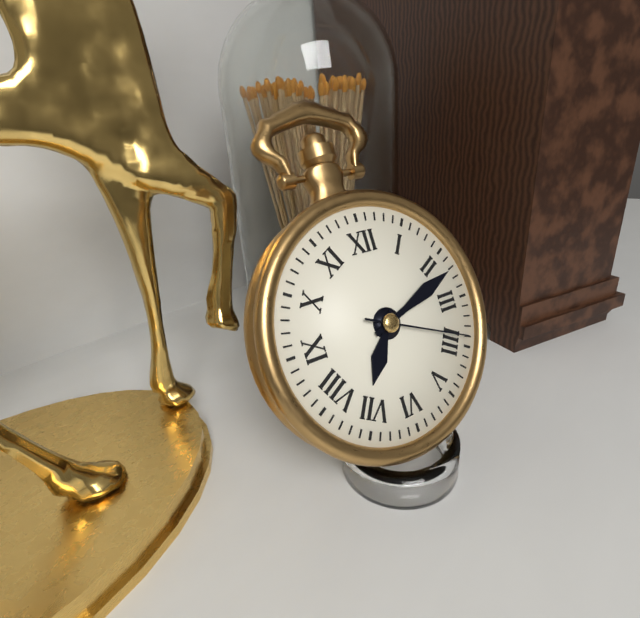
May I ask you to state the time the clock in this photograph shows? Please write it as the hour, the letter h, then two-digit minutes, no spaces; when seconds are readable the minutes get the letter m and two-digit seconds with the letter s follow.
7h12m19s
